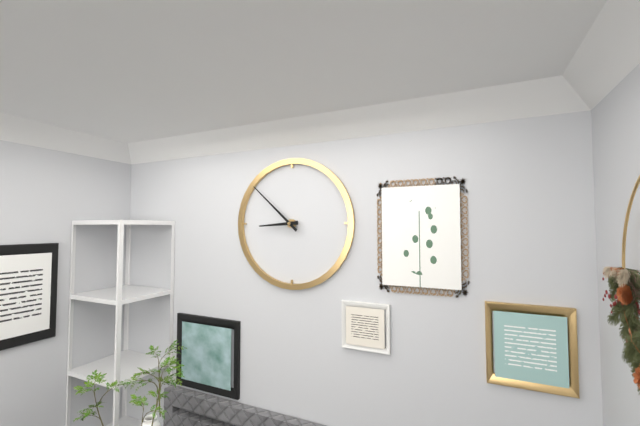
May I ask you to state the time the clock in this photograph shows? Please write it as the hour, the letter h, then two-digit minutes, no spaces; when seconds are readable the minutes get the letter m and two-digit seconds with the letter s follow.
8h52
